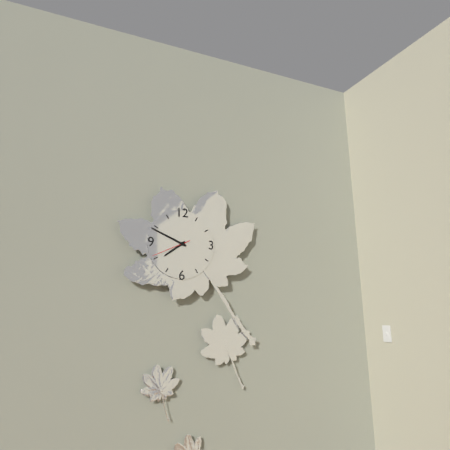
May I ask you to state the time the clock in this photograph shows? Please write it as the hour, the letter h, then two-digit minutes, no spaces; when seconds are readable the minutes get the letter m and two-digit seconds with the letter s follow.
7h49
